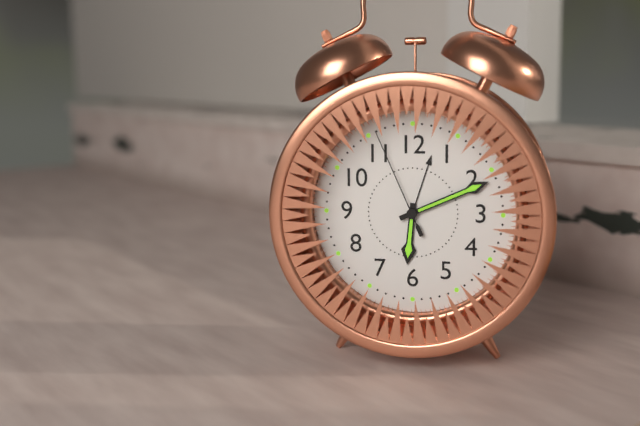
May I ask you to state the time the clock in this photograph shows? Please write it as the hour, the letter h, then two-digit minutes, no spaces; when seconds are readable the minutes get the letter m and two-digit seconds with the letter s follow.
6h11m56s
